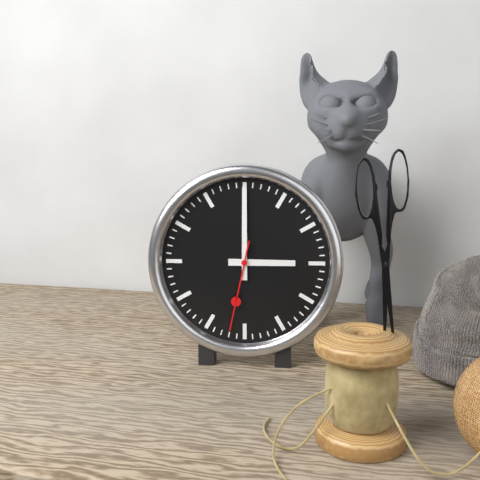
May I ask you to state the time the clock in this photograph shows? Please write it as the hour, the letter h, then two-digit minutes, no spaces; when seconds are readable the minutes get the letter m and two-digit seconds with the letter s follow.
3h00m32s
